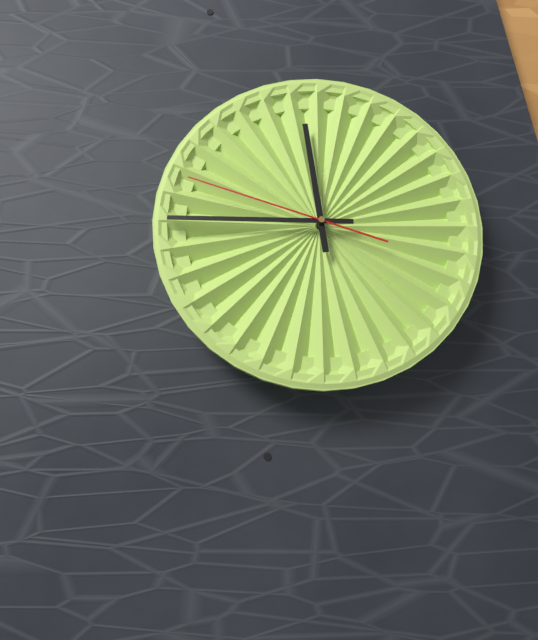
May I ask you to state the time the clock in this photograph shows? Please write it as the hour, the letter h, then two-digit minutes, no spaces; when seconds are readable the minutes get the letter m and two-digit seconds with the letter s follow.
11h45m48s
